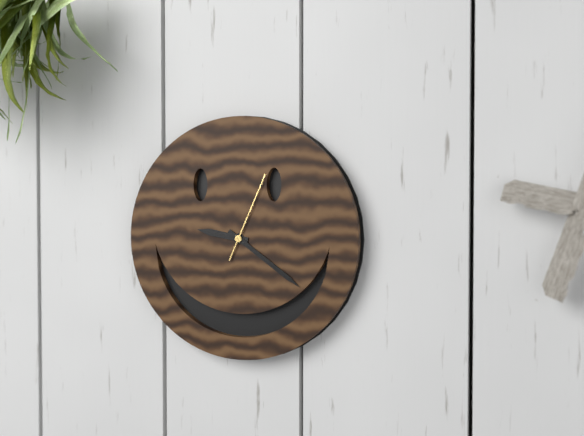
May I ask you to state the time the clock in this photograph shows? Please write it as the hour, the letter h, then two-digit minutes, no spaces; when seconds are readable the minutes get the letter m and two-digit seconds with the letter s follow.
9h21m04s
